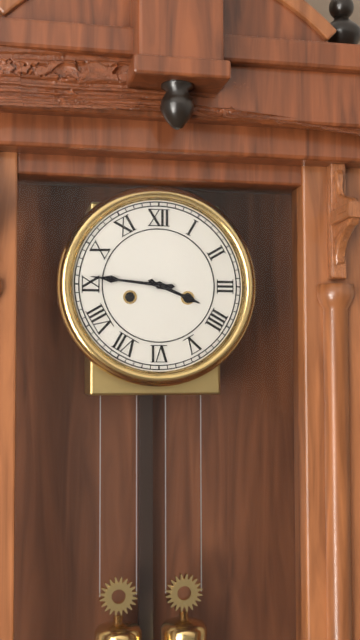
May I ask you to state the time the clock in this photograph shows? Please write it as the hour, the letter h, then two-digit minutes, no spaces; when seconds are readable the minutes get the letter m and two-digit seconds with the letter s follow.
3h46
